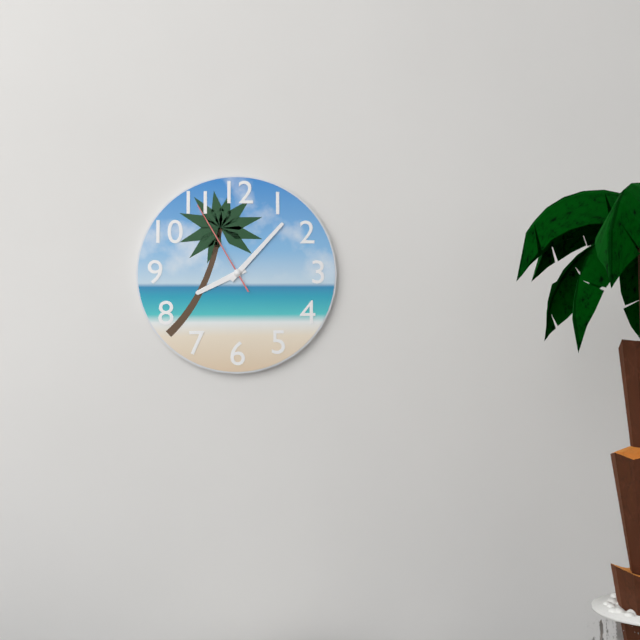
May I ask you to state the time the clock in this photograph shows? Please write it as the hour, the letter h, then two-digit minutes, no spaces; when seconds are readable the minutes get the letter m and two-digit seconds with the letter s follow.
8h07m55s
